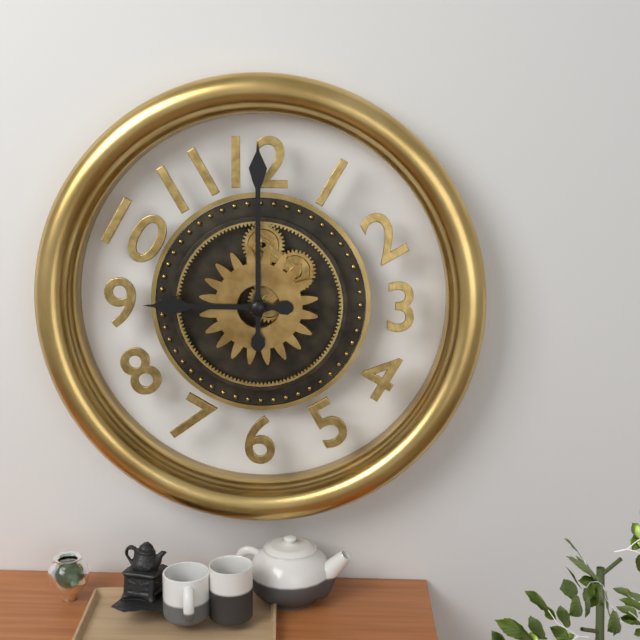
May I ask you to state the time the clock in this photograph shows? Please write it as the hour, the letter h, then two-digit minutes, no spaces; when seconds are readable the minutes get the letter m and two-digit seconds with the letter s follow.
9h00
